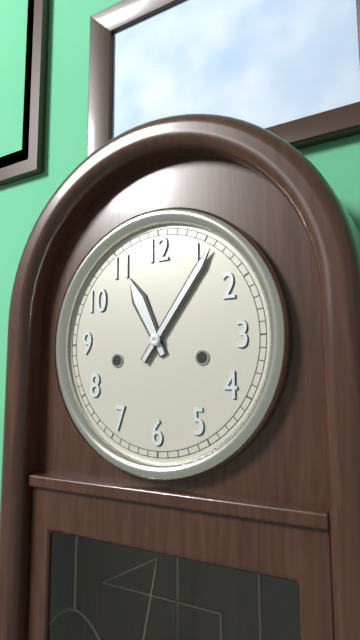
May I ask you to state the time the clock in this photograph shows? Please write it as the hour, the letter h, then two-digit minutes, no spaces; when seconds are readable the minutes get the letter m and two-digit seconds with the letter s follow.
11h06
